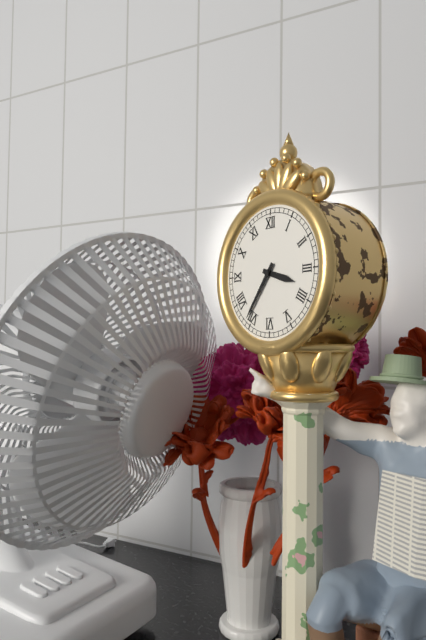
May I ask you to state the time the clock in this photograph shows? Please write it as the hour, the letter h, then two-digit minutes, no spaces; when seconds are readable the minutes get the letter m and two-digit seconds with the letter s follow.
3h36
